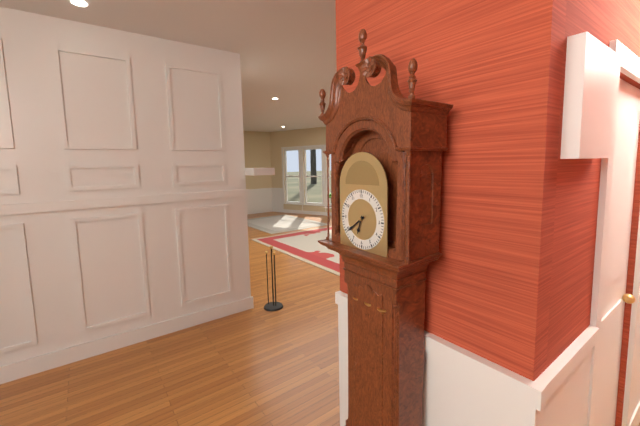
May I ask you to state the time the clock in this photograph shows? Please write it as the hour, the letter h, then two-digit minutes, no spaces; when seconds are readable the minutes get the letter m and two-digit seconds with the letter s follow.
6h39
